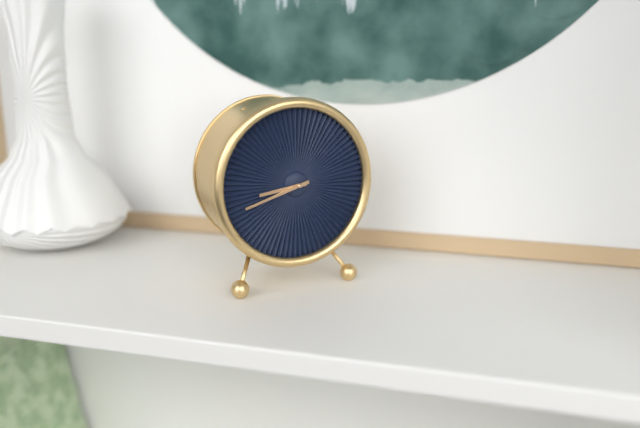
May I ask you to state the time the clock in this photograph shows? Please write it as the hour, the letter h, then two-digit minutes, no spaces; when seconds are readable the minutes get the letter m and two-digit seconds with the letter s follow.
8h42
